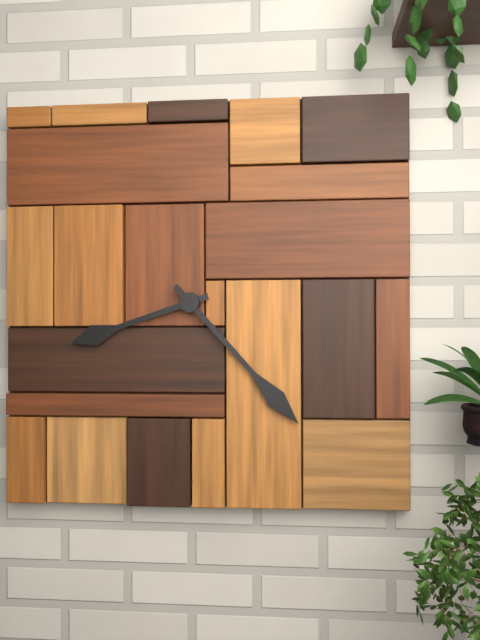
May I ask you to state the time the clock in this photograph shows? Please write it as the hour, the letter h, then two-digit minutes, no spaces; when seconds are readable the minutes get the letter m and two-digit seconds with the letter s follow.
8h23
